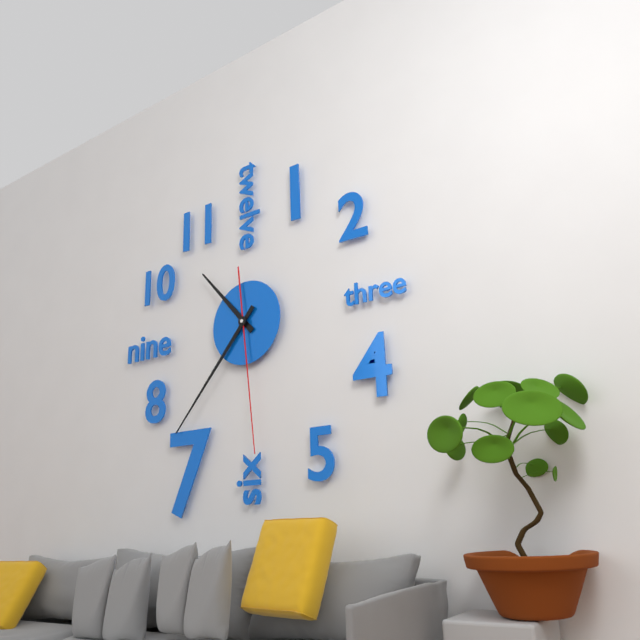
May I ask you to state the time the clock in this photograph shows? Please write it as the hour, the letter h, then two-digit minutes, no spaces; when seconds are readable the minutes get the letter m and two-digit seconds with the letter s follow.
10h37m29s
